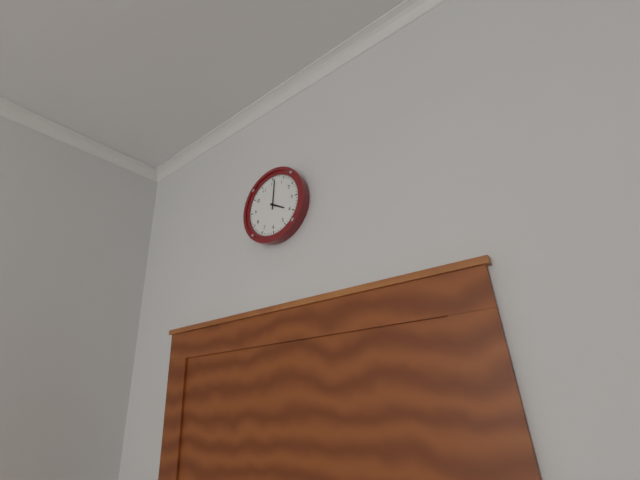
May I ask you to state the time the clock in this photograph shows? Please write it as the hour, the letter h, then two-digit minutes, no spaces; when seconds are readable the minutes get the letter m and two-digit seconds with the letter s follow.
4h01
